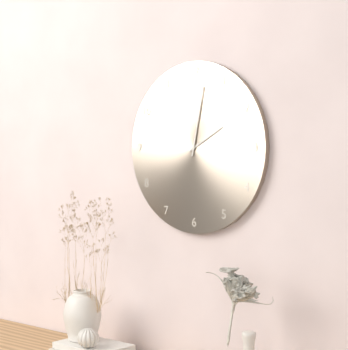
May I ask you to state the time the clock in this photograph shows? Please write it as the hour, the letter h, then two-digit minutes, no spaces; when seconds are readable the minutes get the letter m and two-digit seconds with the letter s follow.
2h02
